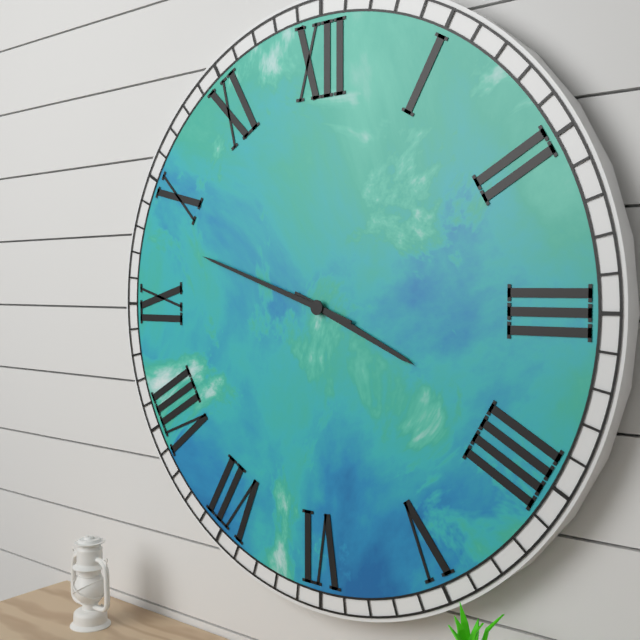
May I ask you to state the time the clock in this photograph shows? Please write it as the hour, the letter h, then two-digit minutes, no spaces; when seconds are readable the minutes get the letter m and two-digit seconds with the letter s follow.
3h48
